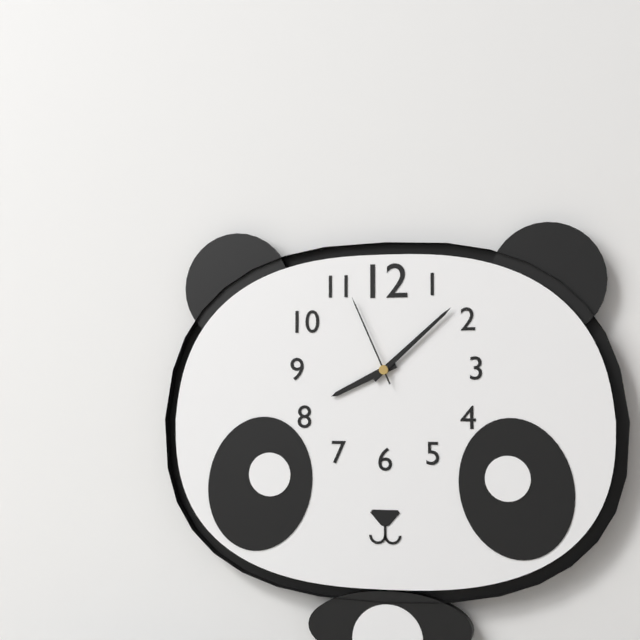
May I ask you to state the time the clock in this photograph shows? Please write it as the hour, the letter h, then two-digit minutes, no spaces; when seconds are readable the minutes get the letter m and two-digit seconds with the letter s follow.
8h08m56s
